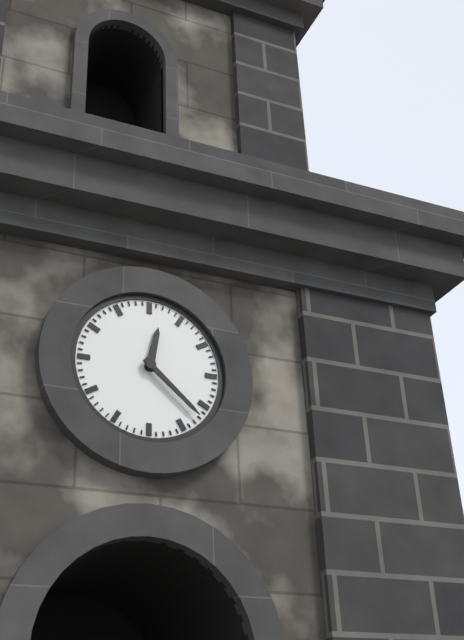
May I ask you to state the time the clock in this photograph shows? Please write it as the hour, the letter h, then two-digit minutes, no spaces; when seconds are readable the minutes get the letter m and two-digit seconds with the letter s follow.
12h22
